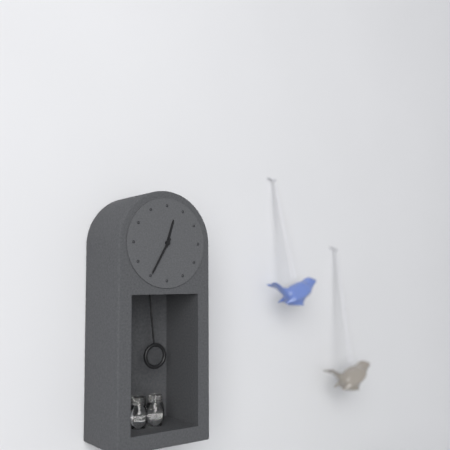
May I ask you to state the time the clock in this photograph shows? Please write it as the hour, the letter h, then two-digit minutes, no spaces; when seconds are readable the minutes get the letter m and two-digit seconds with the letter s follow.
12h35
